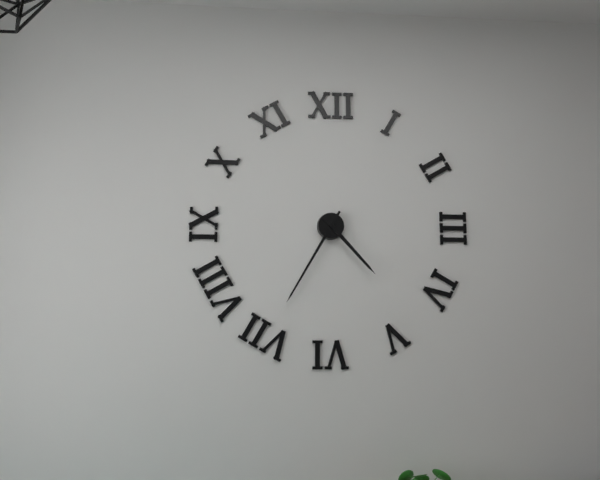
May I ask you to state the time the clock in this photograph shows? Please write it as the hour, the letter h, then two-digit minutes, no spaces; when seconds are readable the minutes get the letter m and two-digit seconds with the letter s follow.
4h35
